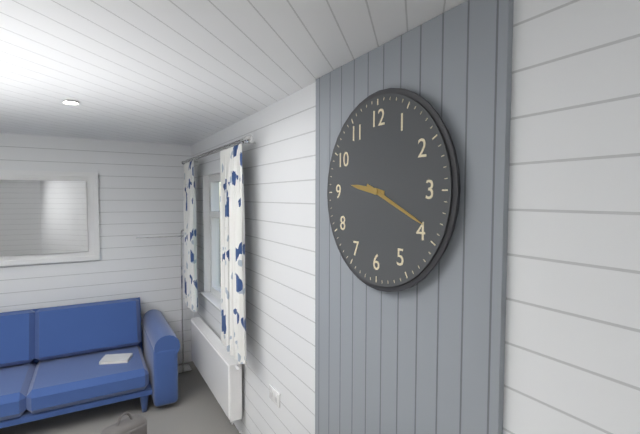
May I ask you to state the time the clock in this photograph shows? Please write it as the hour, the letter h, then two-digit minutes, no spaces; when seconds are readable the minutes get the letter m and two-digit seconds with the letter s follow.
9h19
